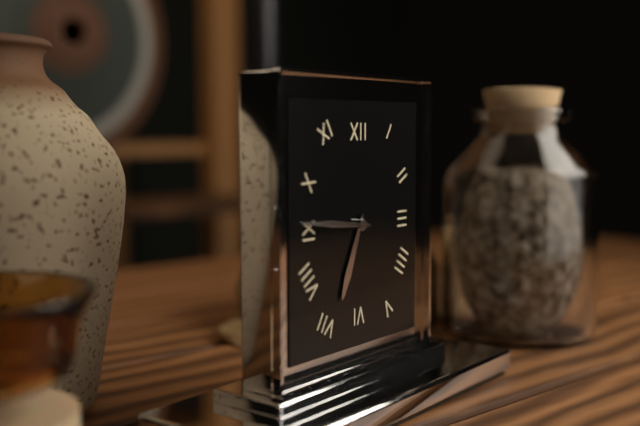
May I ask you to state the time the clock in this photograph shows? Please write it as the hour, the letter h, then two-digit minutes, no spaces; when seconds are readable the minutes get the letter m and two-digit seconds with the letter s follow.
6h46
